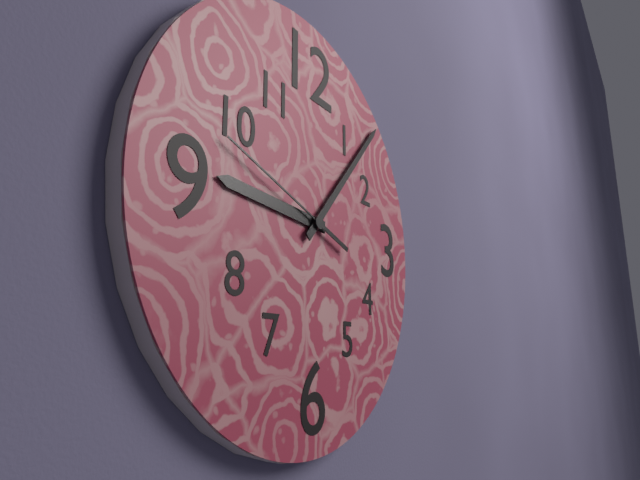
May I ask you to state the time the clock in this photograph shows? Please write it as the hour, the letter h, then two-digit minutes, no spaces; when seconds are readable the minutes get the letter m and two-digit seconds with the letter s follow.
9h07m48s
